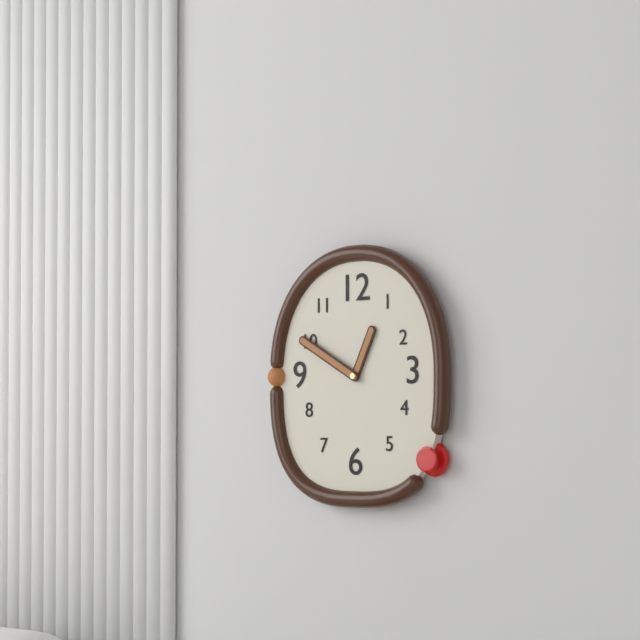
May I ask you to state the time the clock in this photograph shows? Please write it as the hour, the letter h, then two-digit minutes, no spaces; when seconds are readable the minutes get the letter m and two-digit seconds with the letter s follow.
12h50
